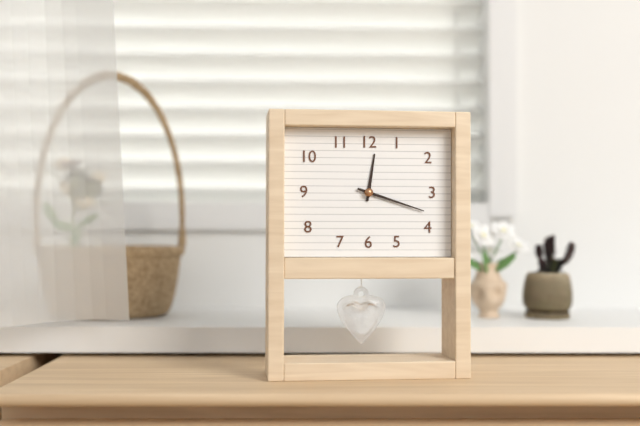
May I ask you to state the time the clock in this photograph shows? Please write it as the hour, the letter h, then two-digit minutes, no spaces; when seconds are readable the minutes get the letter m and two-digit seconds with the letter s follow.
12h18
